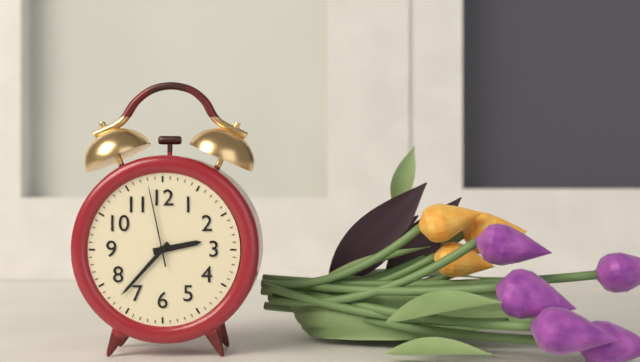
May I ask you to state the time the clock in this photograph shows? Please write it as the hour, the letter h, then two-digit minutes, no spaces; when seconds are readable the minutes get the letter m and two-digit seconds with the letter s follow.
2h37m58s
